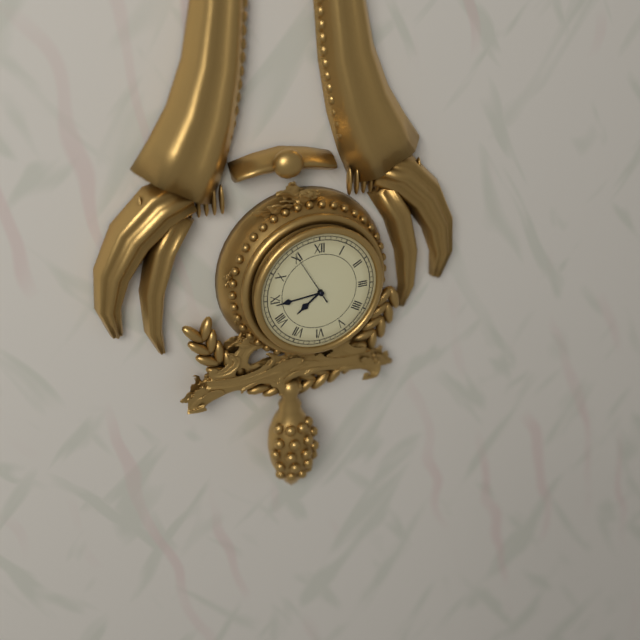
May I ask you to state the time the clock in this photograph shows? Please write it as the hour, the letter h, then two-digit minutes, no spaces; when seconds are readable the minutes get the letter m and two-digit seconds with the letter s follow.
7h44m55s
